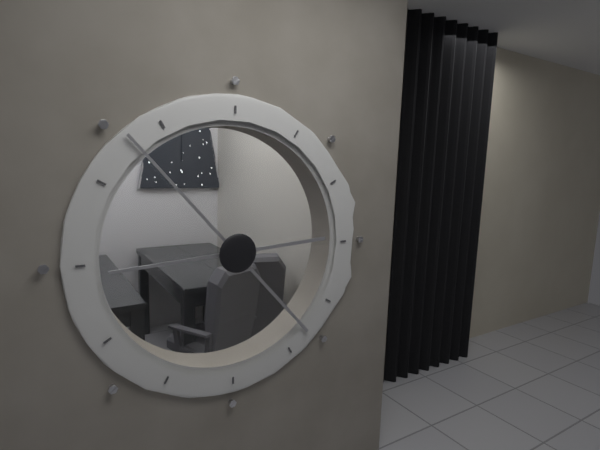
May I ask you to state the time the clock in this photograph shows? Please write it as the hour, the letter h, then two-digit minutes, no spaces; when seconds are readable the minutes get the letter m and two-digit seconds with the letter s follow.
8h53
